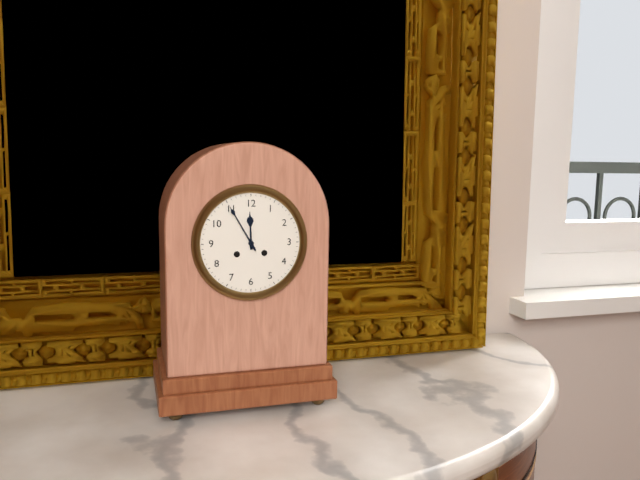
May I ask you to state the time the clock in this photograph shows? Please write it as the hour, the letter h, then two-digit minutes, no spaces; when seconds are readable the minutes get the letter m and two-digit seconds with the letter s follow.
11h55
